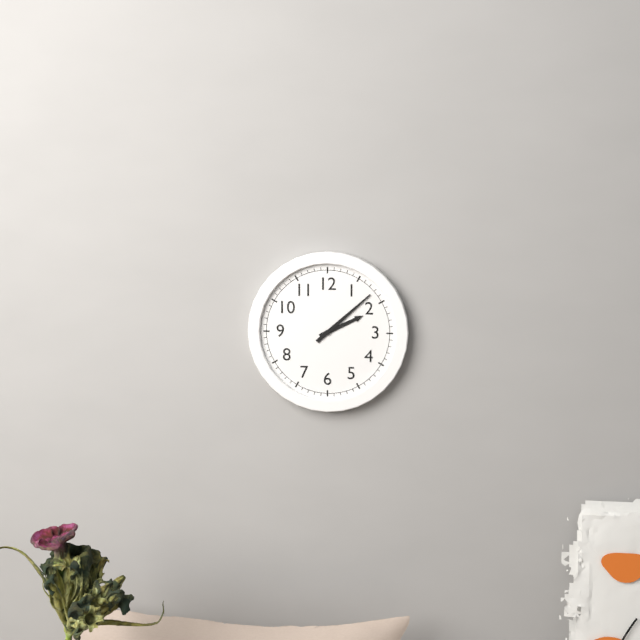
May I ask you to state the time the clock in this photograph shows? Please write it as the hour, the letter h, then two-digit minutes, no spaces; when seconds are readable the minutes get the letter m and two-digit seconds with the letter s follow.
2h08
